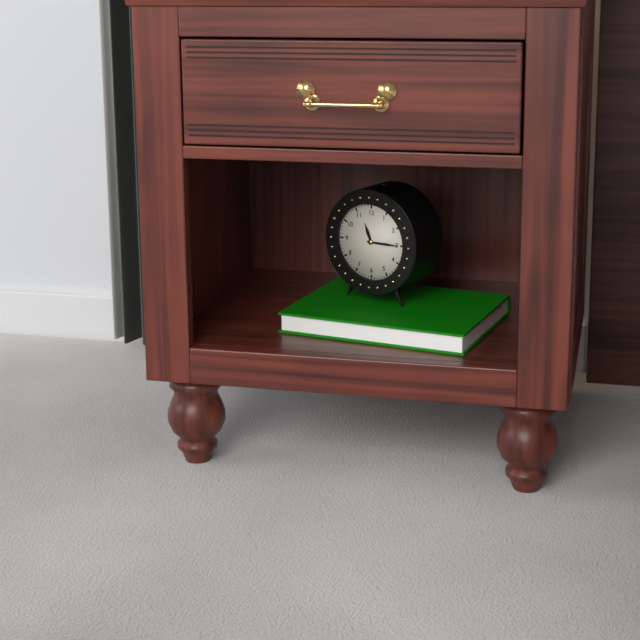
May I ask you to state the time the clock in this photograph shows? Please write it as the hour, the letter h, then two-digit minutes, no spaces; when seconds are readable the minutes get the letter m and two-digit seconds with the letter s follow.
11h15
